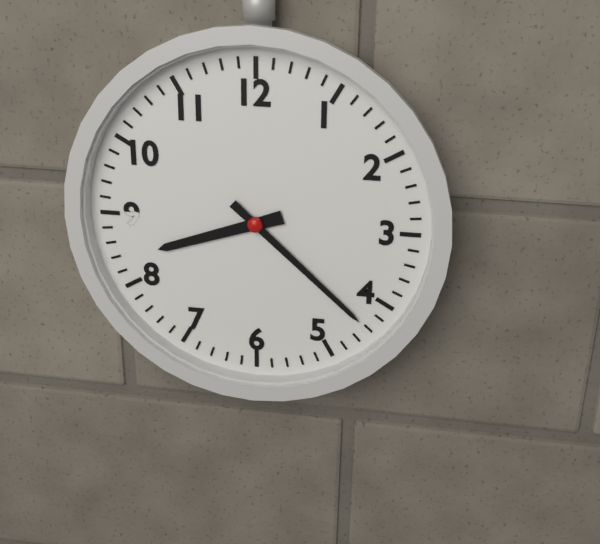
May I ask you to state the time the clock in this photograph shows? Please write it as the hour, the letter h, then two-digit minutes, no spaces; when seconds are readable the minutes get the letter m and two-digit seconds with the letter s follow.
8h22
